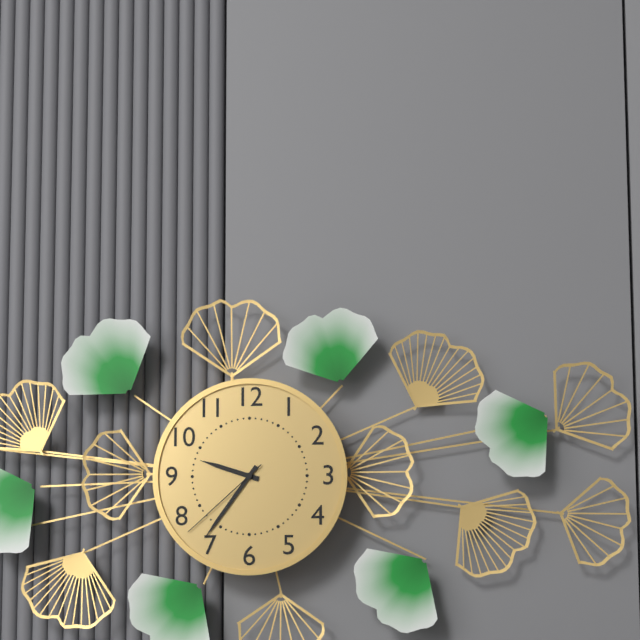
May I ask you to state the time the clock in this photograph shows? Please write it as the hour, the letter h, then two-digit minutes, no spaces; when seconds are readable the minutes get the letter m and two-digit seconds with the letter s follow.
9h36m38s
